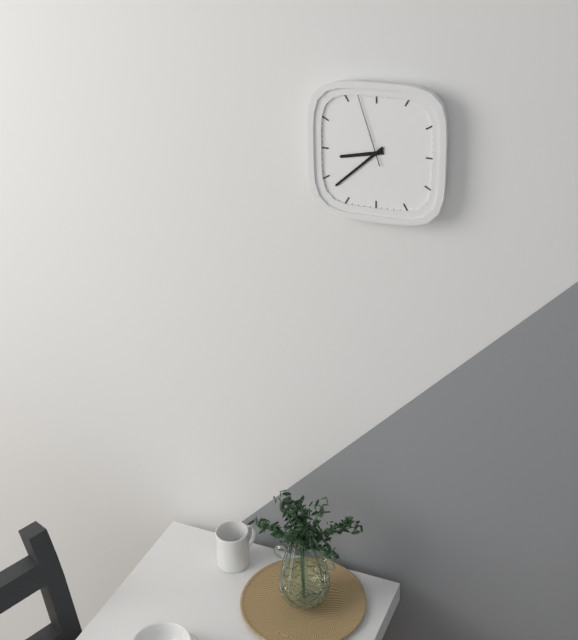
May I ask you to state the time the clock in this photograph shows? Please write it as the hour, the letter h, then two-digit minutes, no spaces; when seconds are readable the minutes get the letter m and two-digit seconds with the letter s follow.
8h38m57s
